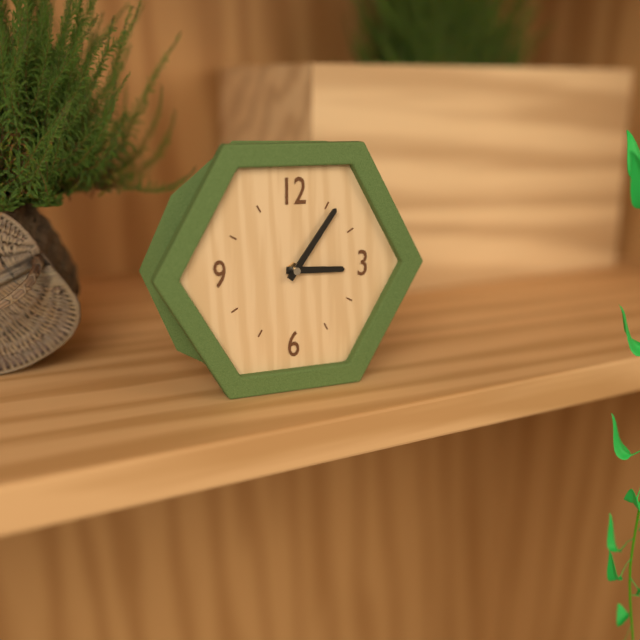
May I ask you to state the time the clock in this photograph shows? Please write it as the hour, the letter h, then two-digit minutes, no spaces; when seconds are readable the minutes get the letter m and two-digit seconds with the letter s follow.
3h06
